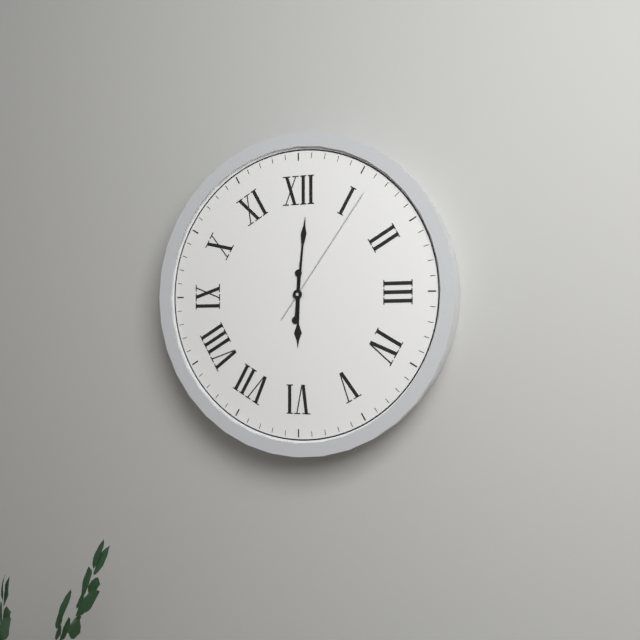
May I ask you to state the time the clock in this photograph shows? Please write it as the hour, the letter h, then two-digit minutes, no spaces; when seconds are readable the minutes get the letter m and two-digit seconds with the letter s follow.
6h01m06s
